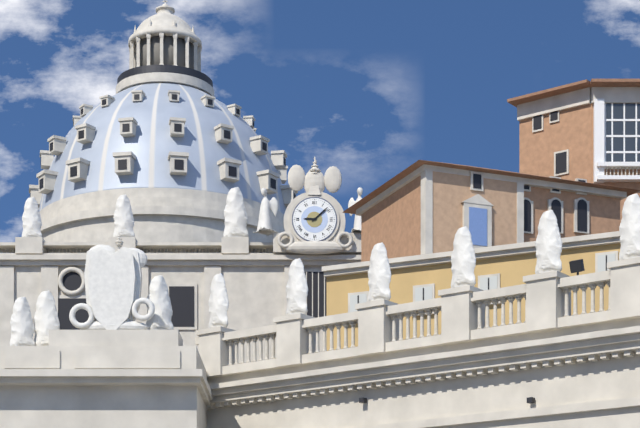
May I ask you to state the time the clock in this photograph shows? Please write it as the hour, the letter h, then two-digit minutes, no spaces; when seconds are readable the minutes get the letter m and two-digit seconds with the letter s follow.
9h08
